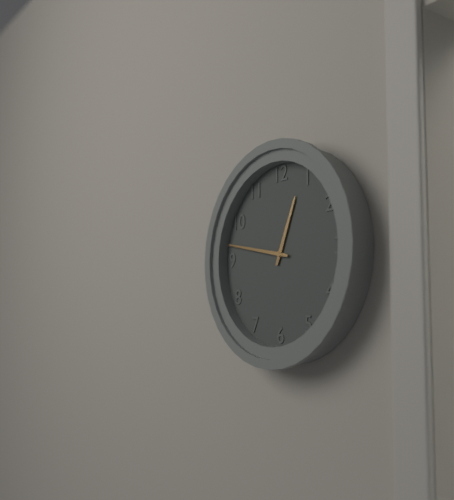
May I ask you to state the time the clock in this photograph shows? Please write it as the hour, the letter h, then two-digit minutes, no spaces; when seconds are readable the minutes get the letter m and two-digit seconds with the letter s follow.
12h47
